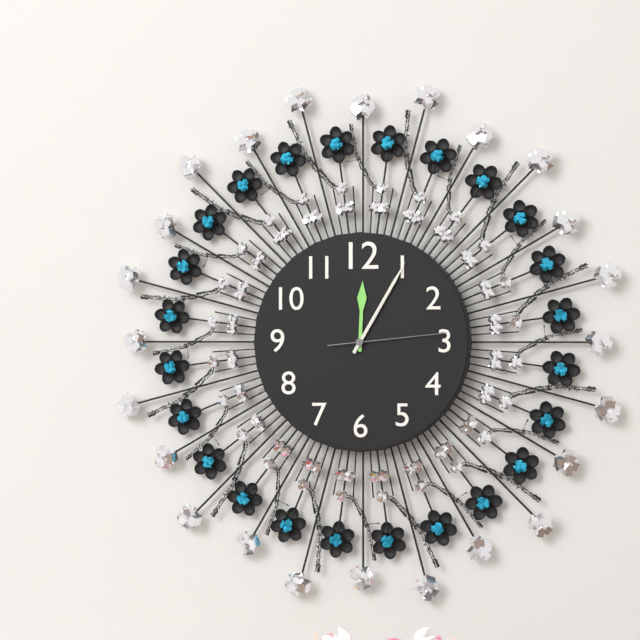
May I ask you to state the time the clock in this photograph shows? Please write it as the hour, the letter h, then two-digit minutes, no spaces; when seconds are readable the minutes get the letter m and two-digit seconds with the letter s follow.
12h05m14s
